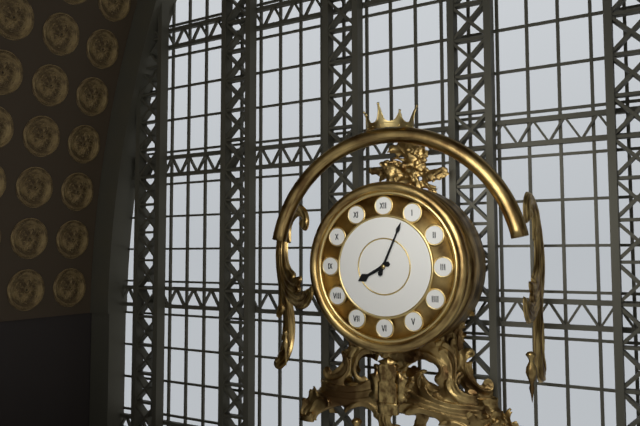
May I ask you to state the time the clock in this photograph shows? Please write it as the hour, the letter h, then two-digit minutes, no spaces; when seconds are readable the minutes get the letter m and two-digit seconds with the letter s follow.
8h04
